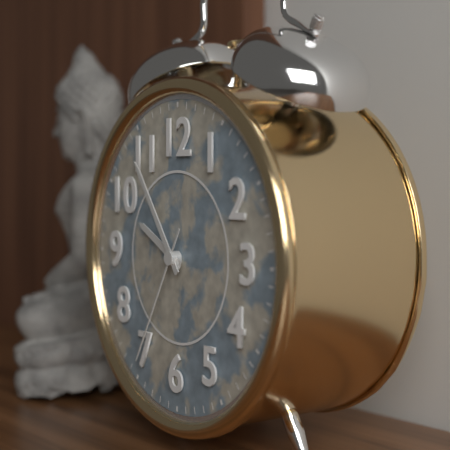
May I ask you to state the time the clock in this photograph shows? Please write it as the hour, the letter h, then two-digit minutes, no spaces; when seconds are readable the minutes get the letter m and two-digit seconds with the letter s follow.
9h54m35s
